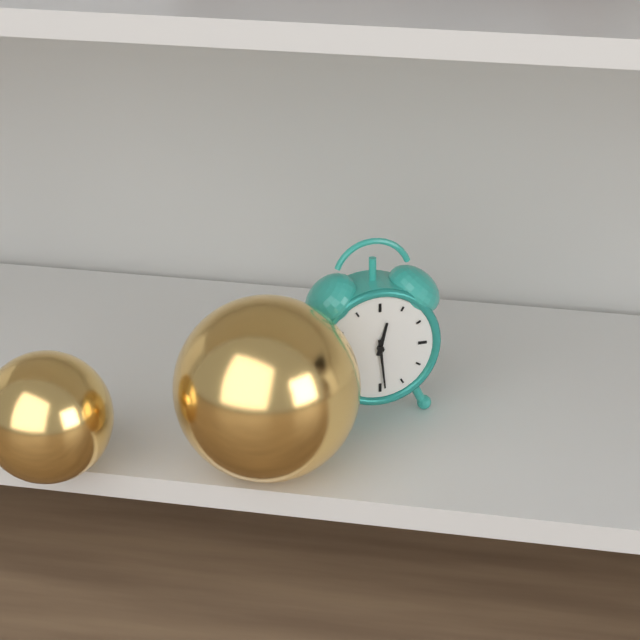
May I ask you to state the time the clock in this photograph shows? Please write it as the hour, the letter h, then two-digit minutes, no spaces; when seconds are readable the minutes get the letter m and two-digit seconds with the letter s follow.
12h29
